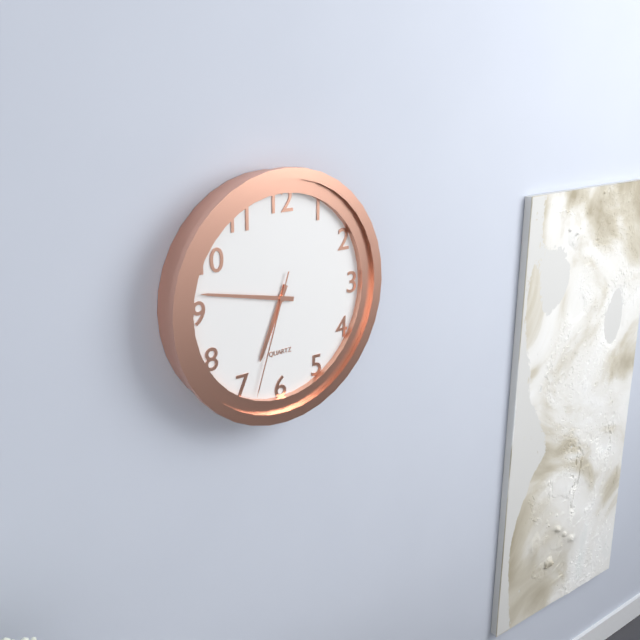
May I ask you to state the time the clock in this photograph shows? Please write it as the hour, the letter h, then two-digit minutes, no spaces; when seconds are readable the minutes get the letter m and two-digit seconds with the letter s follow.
6h47m33s
